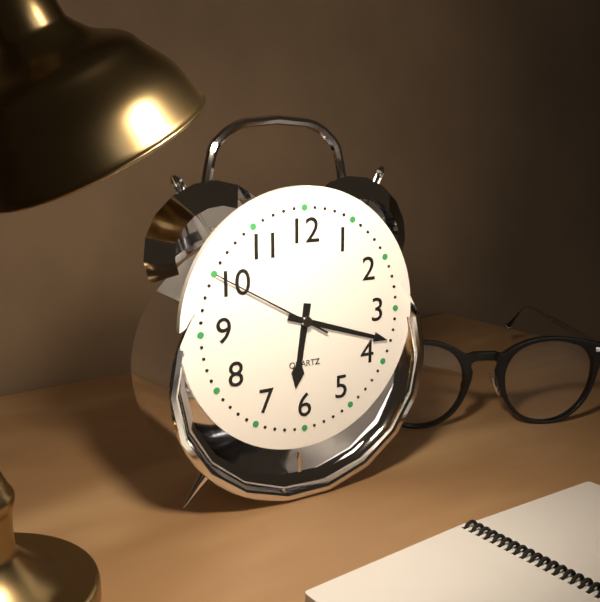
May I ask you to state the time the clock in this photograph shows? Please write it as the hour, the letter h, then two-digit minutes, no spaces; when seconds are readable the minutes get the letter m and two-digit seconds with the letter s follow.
6h18m50s
